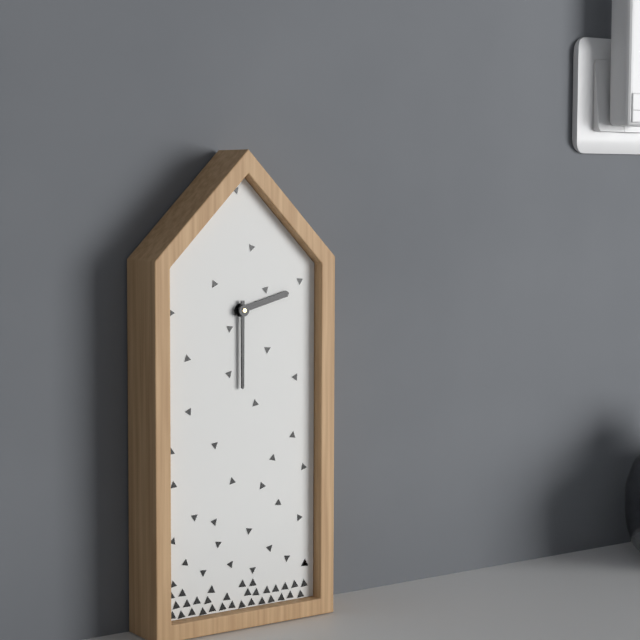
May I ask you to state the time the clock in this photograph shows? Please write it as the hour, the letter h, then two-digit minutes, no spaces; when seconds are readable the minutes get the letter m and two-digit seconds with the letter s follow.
2h30
